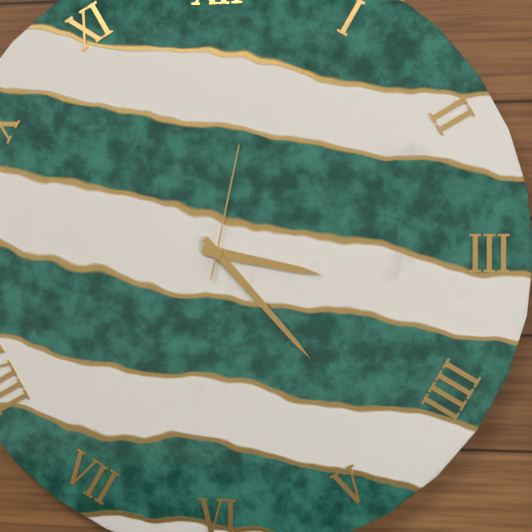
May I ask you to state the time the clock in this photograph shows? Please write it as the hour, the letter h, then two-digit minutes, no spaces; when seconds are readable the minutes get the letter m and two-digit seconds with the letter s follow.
3h23m02s
